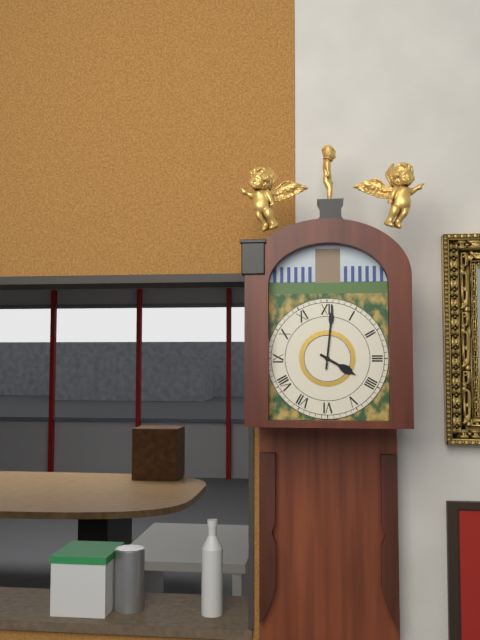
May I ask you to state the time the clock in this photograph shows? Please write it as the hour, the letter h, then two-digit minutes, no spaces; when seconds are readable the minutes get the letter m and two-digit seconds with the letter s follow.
4h01
